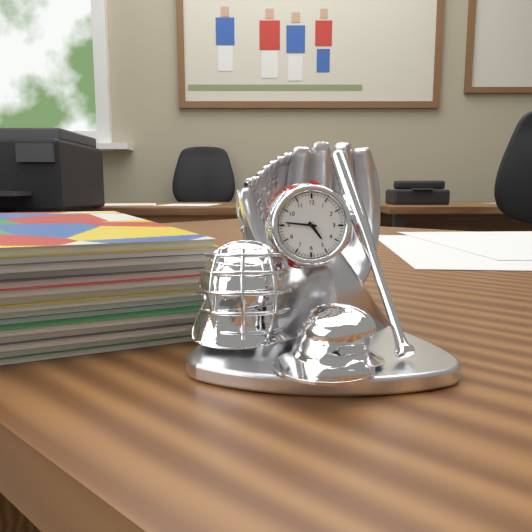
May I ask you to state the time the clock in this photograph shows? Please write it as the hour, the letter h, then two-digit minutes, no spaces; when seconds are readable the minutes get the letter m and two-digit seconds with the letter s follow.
4h46
